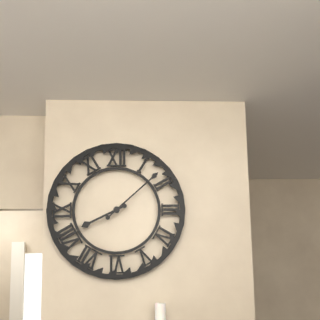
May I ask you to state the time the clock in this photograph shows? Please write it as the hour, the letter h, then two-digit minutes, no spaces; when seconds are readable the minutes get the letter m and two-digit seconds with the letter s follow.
8h08
